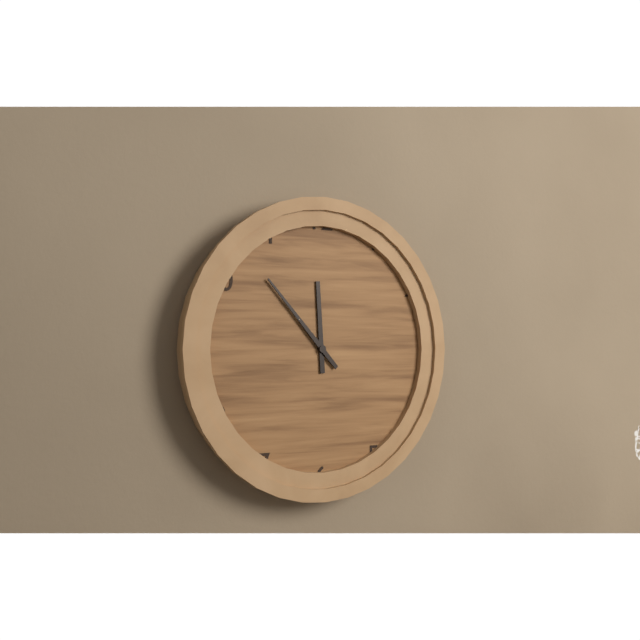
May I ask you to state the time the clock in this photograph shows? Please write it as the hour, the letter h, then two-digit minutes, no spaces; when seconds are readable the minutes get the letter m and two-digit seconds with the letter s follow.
11h53
